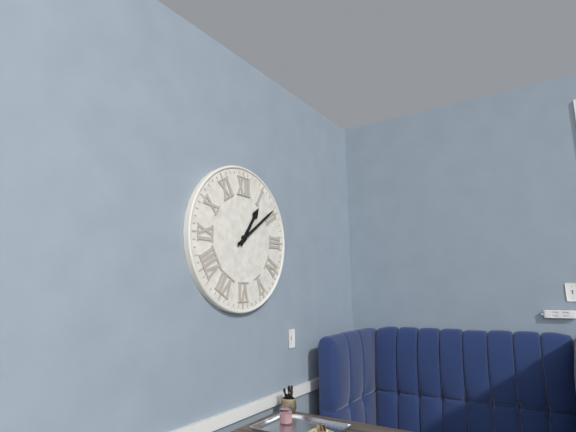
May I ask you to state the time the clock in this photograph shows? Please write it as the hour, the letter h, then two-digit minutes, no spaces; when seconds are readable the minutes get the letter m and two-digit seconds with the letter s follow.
1h09
